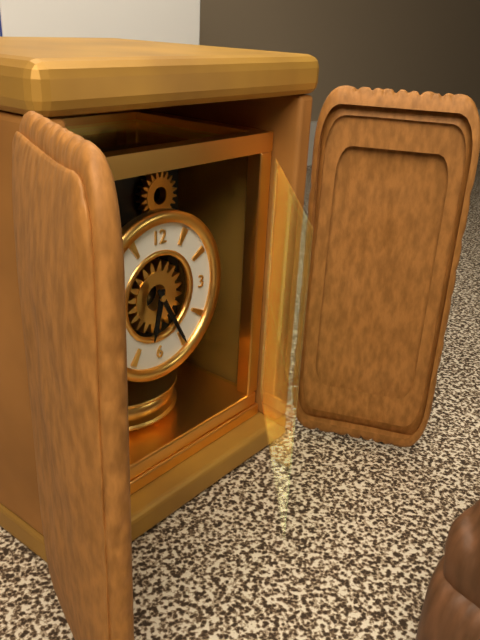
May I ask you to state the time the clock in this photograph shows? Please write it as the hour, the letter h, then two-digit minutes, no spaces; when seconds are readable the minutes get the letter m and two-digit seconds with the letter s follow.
6h25
